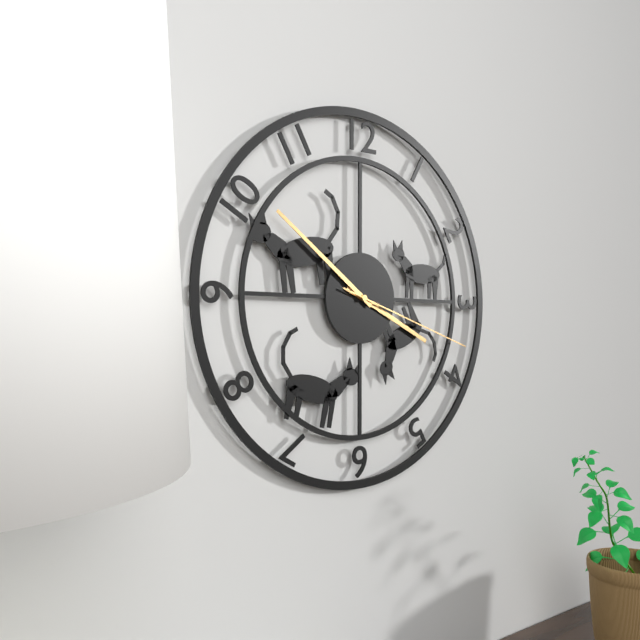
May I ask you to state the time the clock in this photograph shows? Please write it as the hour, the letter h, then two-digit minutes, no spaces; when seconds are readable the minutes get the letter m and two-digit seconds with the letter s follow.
3h51m18s
